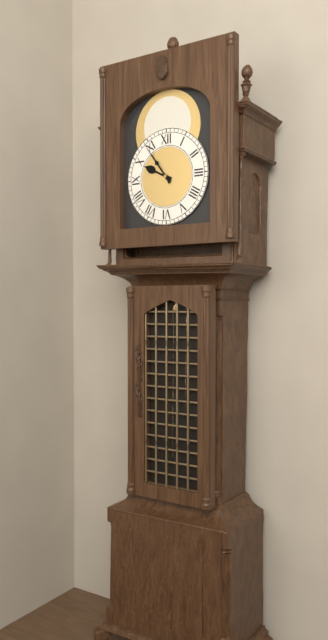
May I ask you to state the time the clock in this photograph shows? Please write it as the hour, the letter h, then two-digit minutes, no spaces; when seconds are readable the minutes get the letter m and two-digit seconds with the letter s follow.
9h54
